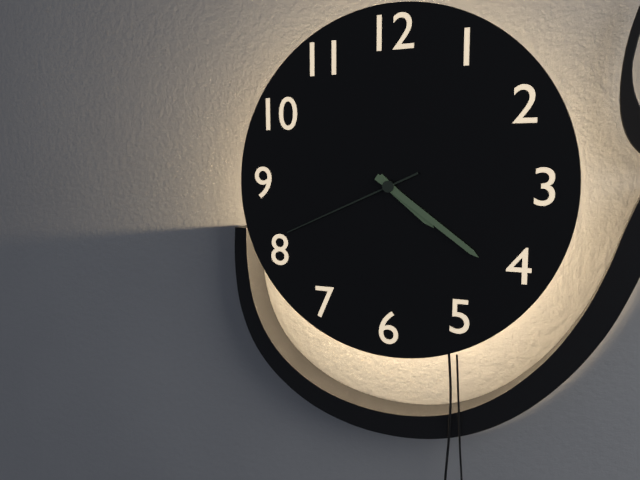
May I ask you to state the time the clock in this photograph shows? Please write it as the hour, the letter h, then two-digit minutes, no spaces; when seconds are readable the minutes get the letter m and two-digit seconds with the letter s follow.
4h21m41s
